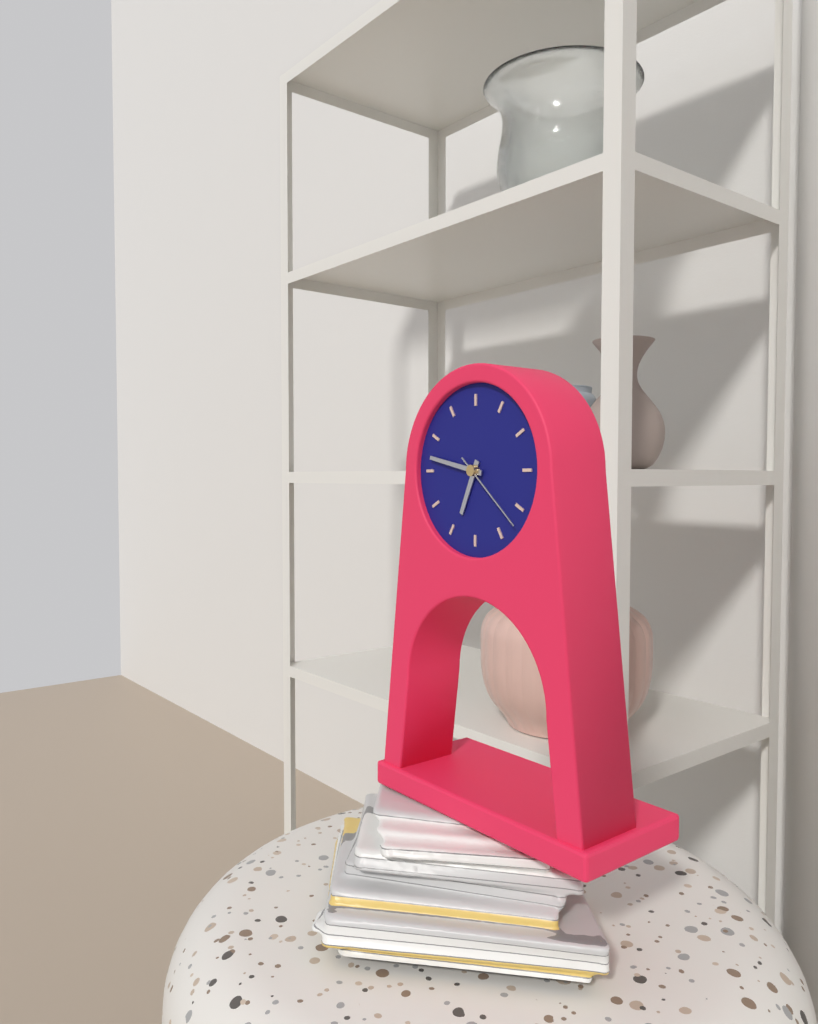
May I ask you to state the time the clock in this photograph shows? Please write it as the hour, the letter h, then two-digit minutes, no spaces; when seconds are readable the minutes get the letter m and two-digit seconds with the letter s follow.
6h47m22s
